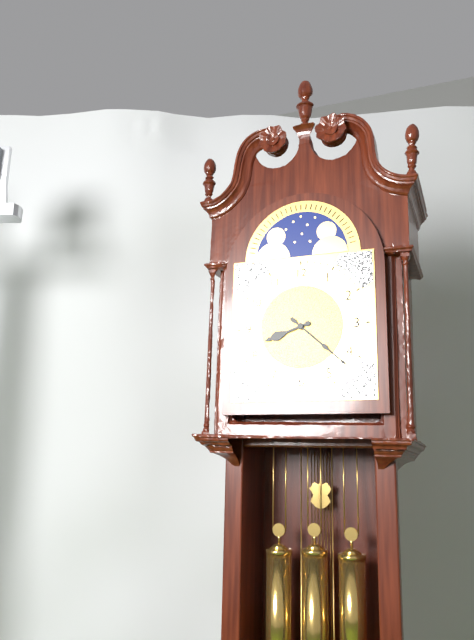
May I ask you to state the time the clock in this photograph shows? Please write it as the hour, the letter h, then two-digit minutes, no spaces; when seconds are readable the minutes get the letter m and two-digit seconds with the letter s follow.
8h22
